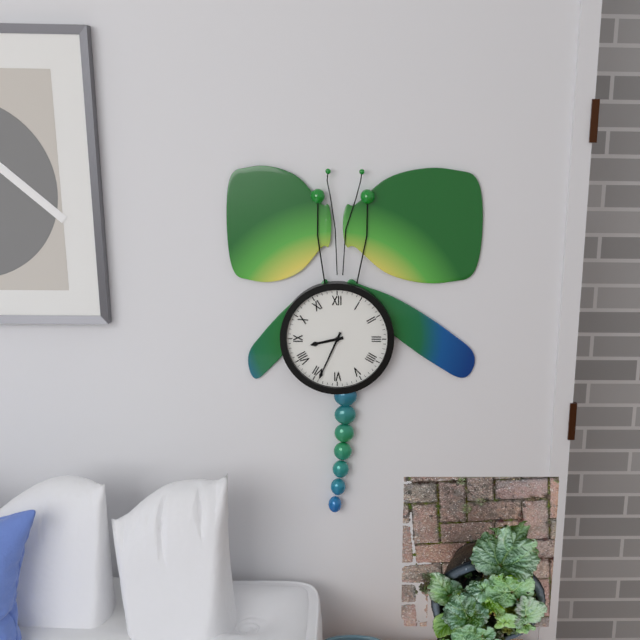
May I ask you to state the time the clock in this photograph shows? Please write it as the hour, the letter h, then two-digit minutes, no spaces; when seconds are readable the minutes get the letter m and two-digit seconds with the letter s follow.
8h34
